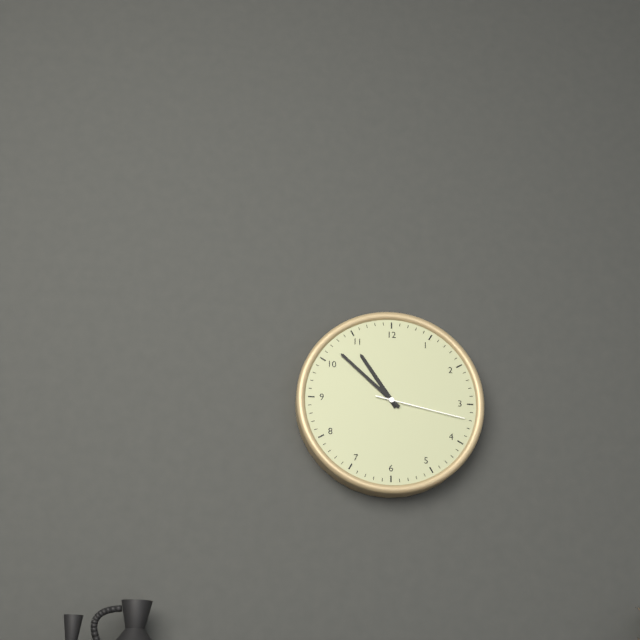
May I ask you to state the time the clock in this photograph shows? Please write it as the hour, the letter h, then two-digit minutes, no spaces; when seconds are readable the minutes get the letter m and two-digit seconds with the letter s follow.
10h52m17s
